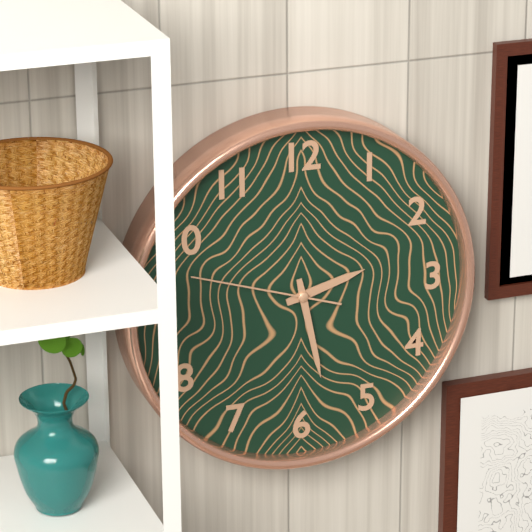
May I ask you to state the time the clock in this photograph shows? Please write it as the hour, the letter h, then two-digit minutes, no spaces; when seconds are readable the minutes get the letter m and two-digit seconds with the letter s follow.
2h28m48s
